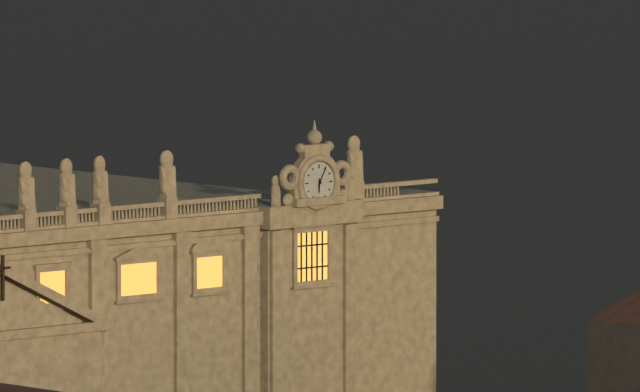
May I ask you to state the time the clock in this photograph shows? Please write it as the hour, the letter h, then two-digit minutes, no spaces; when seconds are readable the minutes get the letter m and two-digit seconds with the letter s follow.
6h05
